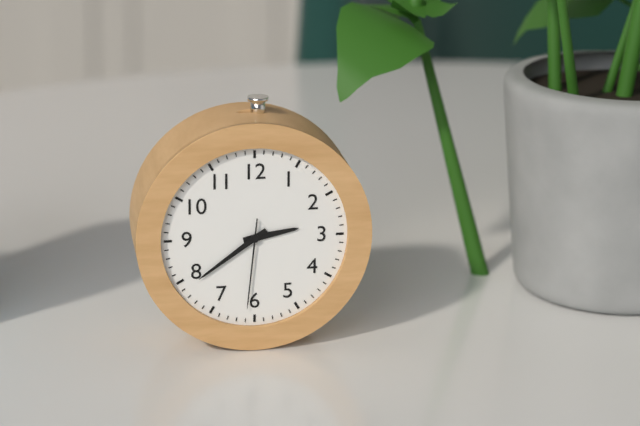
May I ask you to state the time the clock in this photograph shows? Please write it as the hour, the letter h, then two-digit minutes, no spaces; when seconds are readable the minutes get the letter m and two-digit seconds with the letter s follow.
2h39m31s
